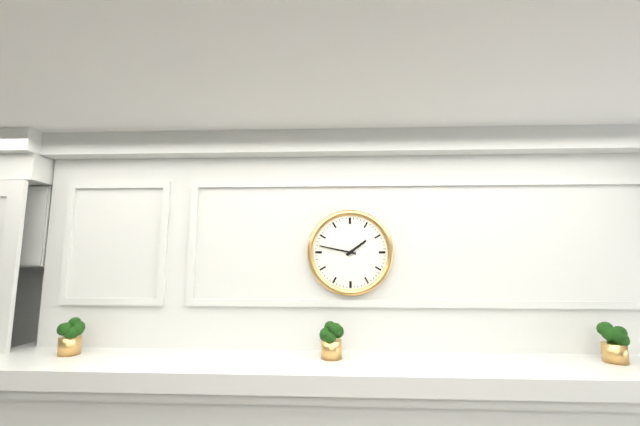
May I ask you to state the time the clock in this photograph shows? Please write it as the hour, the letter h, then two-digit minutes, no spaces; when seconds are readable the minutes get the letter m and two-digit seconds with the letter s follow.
1h47
